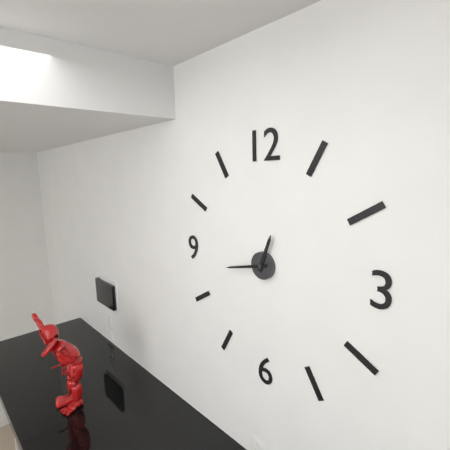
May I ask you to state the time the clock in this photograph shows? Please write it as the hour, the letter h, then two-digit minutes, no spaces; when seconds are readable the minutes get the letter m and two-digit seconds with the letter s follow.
12h43
